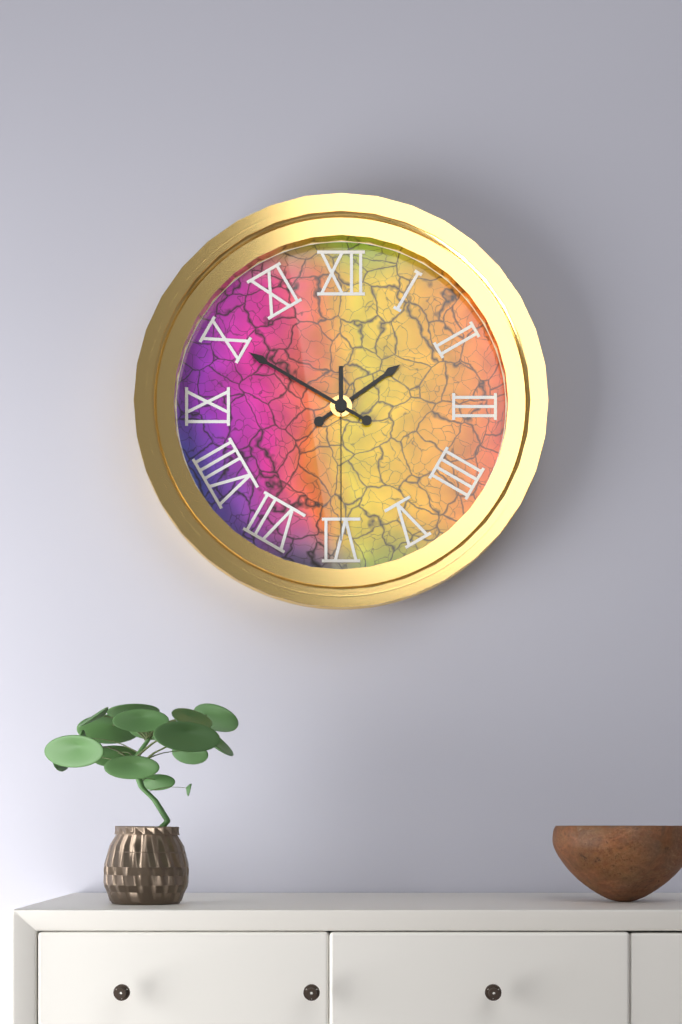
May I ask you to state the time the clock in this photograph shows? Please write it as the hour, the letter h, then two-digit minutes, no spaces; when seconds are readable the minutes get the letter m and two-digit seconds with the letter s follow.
1h50m30s
